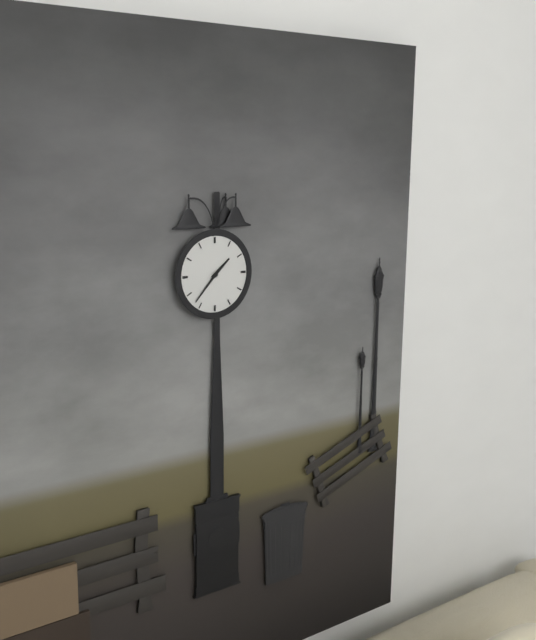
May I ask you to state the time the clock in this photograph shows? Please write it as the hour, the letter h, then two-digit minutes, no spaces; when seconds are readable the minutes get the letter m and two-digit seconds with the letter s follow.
1h37
